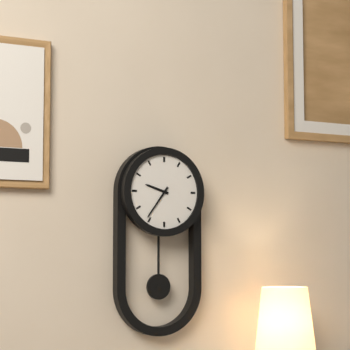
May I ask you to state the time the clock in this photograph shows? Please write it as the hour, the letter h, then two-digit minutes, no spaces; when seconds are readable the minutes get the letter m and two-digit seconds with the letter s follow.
9h36
